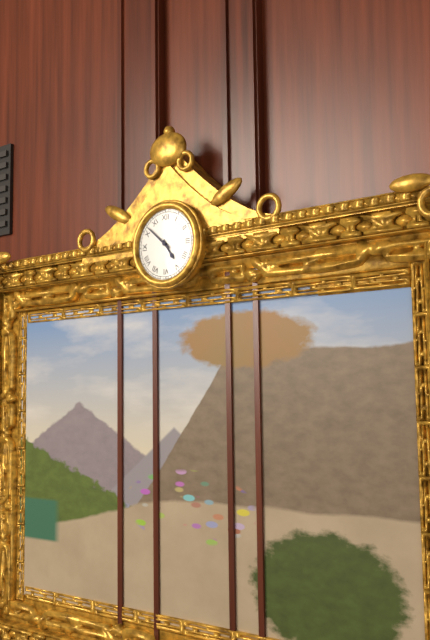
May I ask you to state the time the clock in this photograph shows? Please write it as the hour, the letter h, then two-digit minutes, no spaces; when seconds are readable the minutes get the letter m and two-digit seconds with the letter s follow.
4h52
